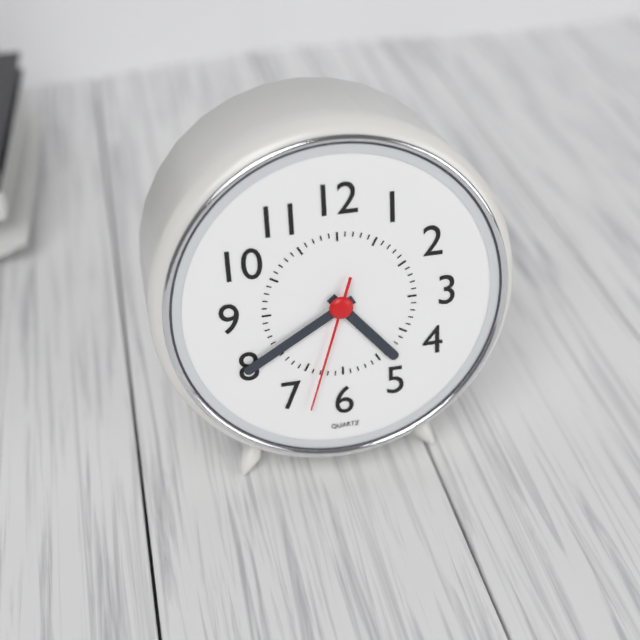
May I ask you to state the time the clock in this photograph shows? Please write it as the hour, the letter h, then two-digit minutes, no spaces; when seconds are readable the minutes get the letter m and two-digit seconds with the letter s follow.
4h40m33s
